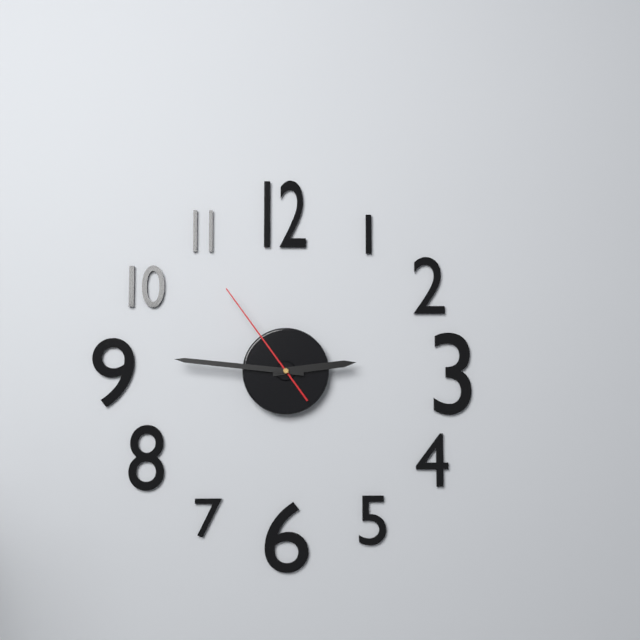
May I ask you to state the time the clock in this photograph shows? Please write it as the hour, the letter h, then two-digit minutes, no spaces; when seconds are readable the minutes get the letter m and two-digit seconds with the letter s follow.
2h46m54s
